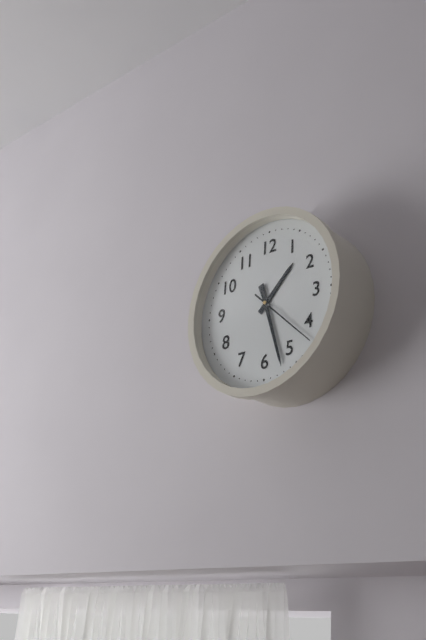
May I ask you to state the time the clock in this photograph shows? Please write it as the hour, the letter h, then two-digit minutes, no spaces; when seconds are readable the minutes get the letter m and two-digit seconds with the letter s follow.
1h27
